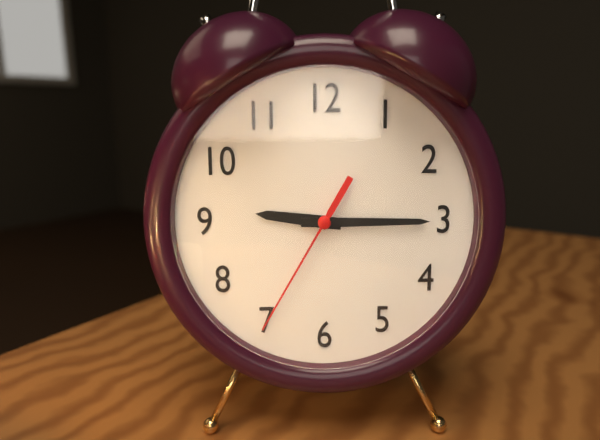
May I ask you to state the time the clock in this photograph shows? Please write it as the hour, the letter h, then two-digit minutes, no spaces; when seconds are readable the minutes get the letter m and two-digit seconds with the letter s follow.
9h15m35s
